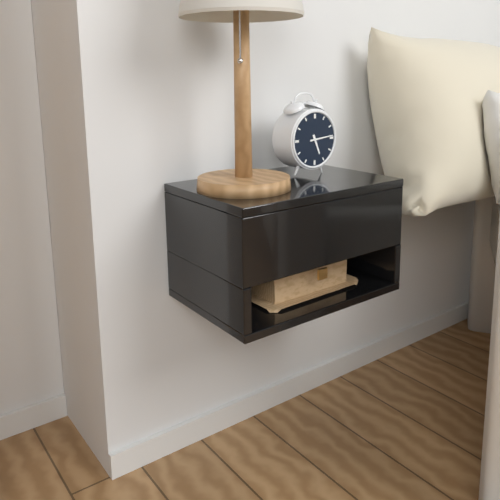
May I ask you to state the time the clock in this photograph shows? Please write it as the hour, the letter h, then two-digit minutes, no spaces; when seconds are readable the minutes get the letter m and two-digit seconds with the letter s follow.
5h14
